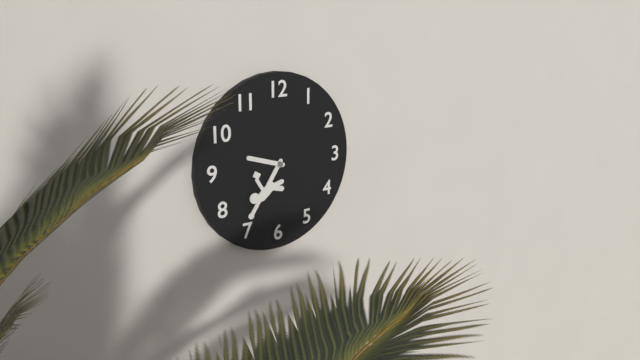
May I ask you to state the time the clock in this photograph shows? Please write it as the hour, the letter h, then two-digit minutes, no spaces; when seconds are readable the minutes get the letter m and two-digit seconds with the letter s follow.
9h35
